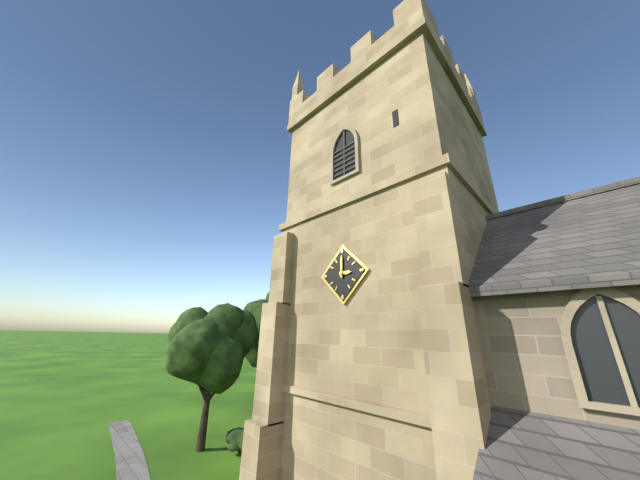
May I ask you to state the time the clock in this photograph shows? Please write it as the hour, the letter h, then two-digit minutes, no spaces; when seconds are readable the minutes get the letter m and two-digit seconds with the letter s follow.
3h00
